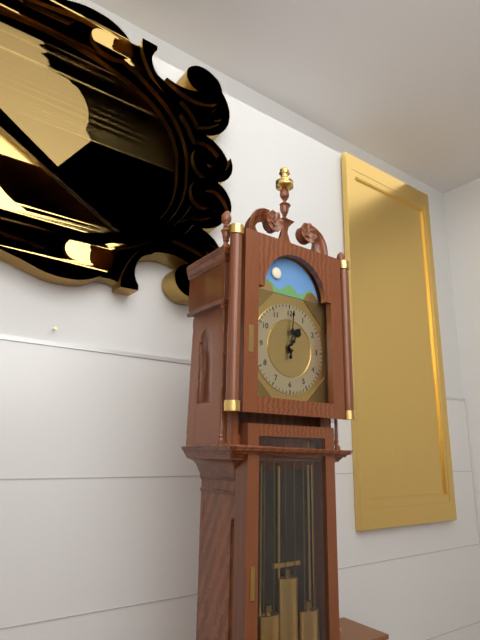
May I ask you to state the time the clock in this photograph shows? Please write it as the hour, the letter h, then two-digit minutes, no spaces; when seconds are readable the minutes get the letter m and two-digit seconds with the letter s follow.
1h01
